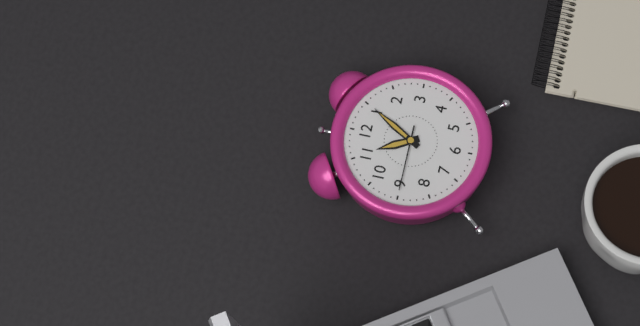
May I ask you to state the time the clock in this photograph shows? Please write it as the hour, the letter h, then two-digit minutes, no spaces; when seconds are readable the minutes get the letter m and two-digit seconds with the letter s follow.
11h05m45s
